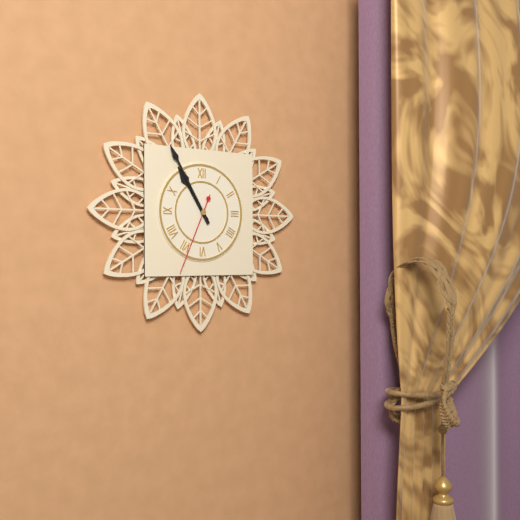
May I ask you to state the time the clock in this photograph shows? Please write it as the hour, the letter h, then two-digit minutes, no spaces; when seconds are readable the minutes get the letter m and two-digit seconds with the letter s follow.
10h55m34s
